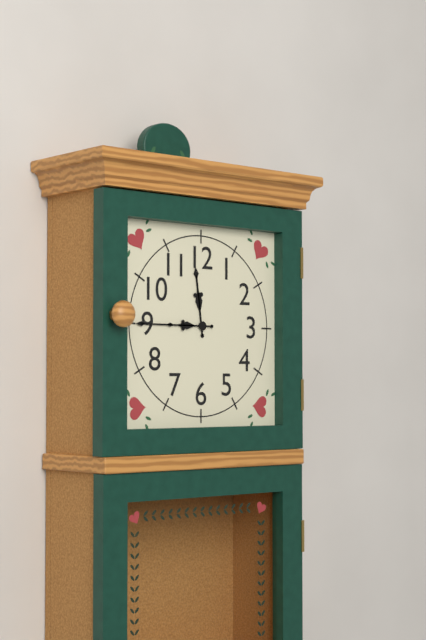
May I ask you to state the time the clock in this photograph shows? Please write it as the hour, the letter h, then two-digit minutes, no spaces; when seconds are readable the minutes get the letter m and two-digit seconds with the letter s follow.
11h45
